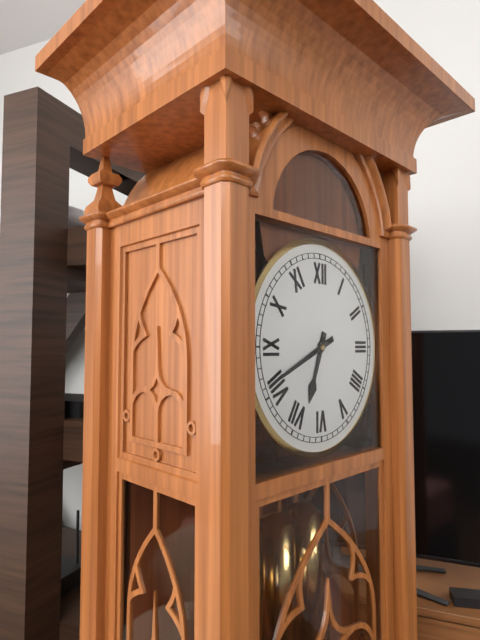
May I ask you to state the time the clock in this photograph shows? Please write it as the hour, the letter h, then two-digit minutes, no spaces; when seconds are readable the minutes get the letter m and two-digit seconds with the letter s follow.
6h41
